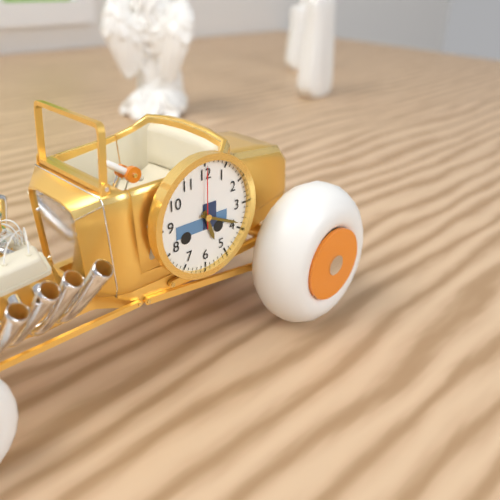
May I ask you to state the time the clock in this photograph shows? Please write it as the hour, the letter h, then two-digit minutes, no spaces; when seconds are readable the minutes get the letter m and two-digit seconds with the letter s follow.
5h19m00s
